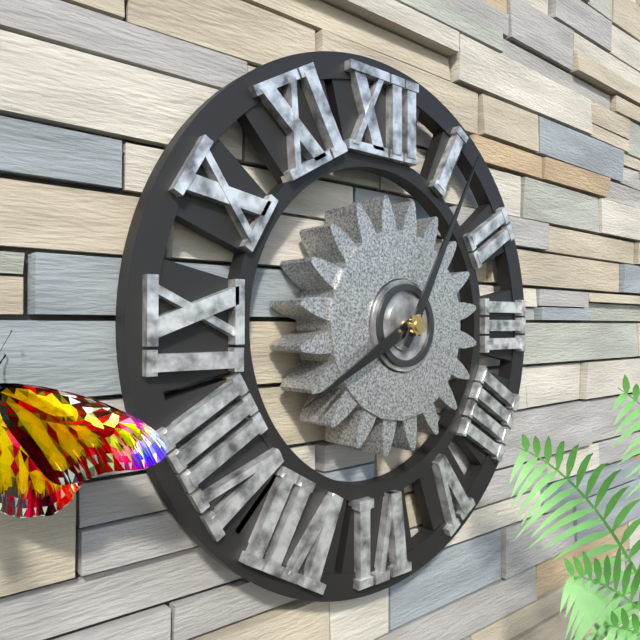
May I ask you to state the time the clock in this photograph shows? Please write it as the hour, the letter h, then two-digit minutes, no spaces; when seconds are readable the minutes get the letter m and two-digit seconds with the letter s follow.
8h05
